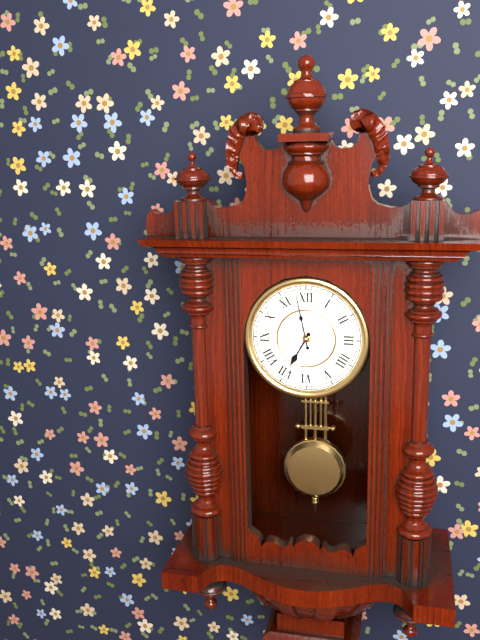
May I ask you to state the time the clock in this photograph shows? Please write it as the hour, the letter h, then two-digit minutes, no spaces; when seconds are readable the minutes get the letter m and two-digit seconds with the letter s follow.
6h58
